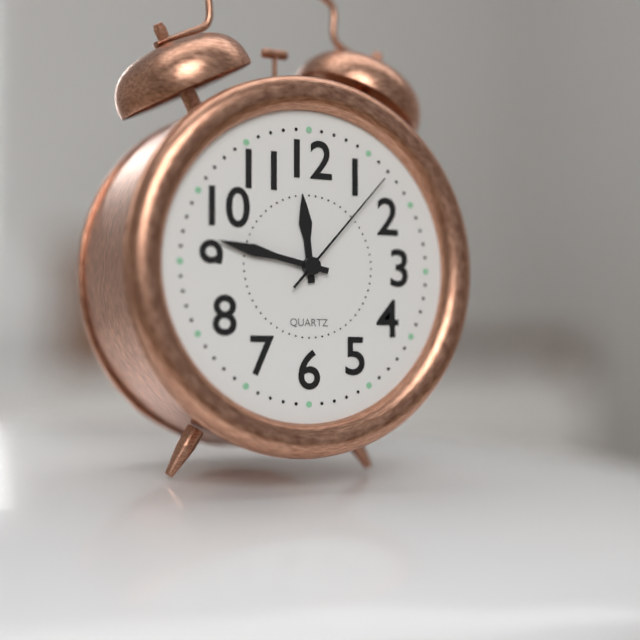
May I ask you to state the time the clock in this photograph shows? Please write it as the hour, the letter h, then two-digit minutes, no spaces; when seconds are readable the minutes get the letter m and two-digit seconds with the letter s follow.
11h47m07s
